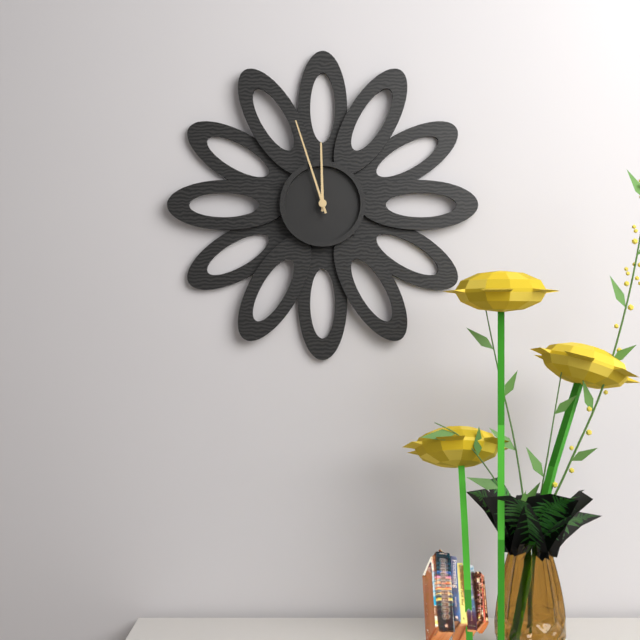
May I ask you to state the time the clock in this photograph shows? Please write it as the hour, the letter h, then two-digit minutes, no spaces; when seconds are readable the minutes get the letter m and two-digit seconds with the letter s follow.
11h57
